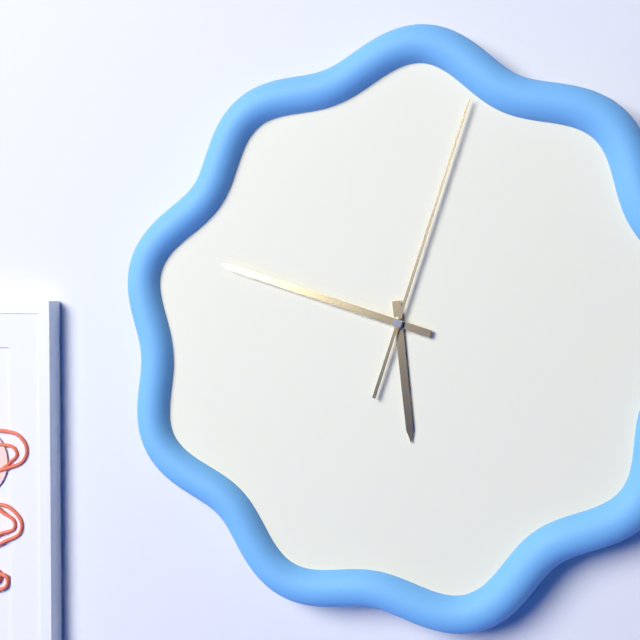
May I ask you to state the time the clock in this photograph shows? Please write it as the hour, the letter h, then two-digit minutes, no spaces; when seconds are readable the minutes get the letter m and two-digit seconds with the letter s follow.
5h48m03s
